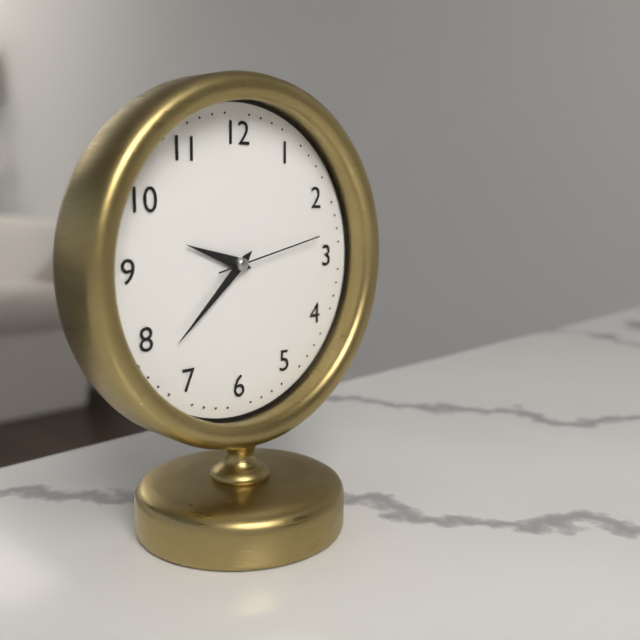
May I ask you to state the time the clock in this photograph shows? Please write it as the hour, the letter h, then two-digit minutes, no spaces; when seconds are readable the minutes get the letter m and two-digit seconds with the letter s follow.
9h38m13s
